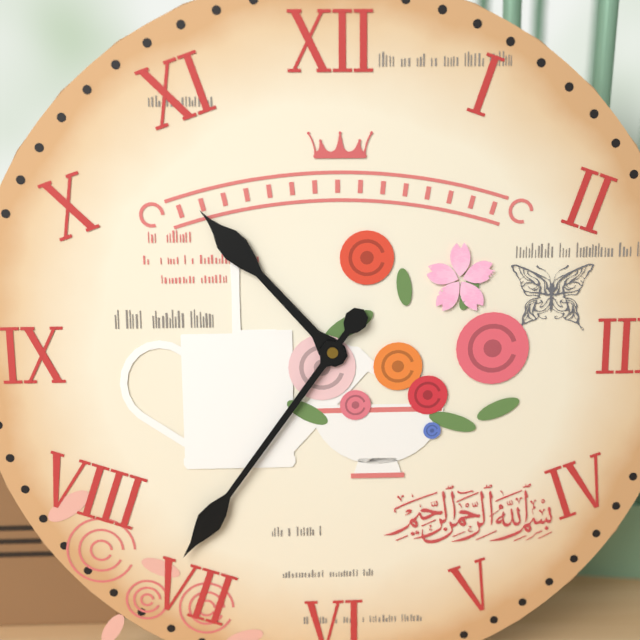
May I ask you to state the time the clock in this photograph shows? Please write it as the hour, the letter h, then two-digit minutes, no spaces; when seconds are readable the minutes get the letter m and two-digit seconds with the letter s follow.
10h36
